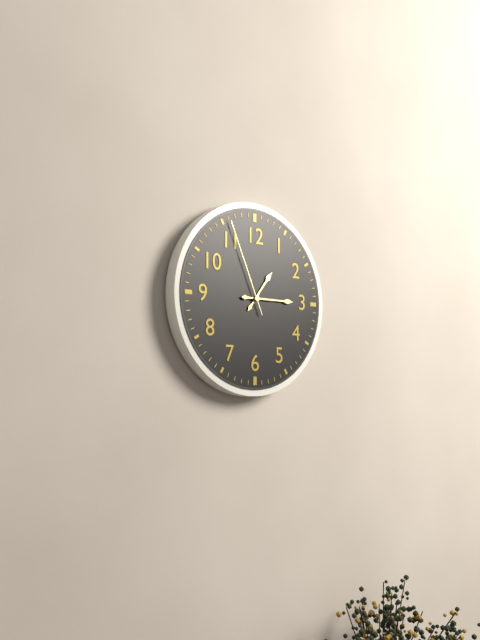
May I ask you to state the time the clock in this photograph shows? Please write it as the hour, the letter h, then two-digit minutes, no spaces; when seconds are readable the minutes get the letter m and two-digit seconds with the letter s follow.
1h15m56s
